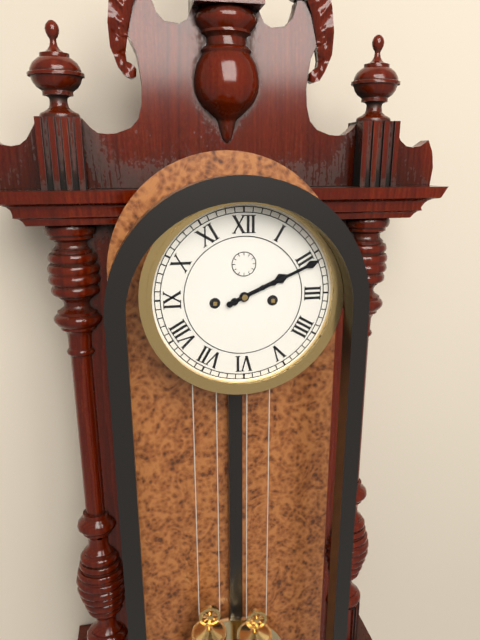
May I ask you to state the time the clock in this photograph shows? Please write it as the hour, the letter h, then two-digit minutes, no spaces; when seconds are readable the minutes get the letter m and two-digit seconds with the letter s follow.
2h11
